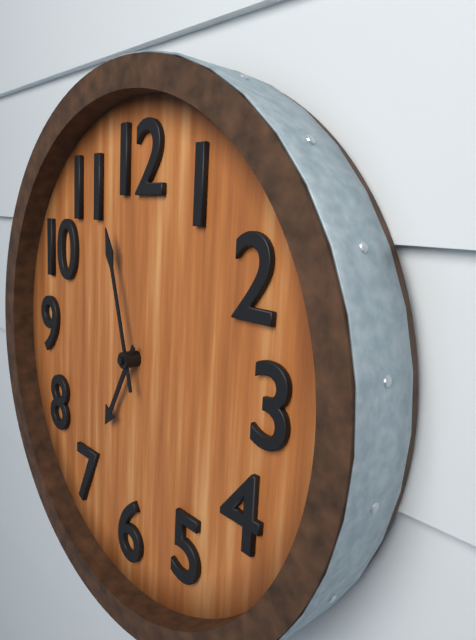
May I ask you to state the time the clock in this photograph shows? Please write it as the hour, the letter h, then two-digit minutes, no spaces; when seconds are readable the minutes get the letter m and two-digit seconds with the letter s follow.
6h57
